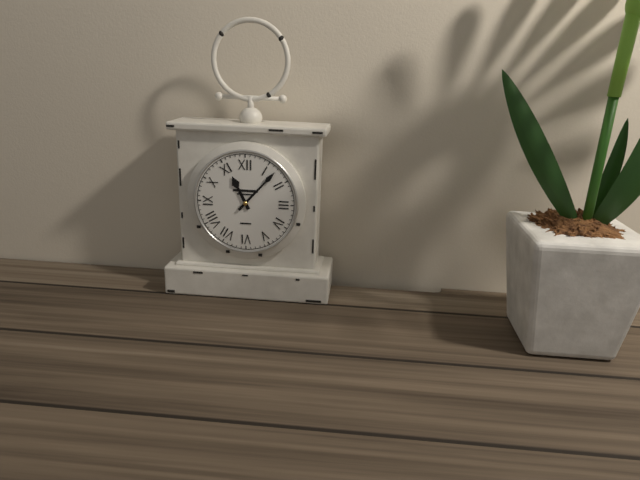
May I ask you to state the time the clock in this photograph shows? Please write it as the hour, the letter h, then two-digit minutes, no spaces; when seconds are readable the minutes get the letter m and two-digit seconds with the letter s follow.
11h07
